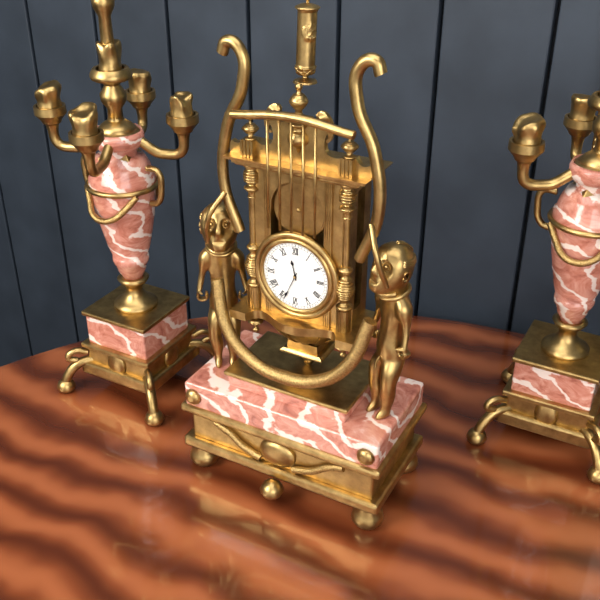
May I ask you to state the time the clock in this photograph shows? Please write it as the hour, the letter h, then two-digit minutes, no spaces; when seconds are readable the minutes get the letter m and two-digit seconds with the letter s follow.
11h34
